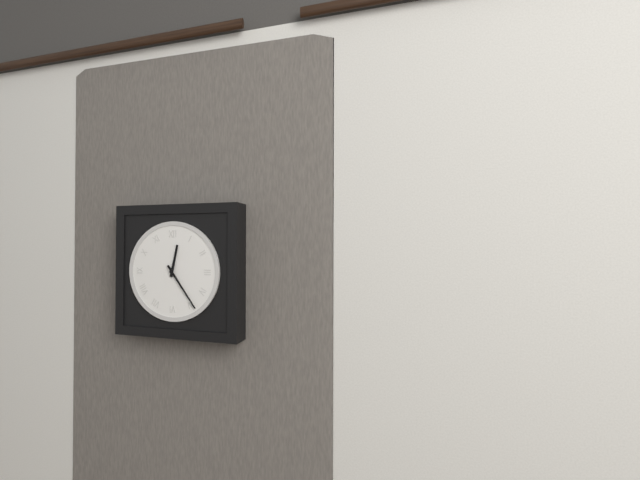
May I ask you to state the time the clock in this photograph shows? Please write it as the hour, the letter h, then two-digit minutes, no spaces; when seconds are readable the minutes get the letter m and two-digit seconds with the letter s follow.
12h24
